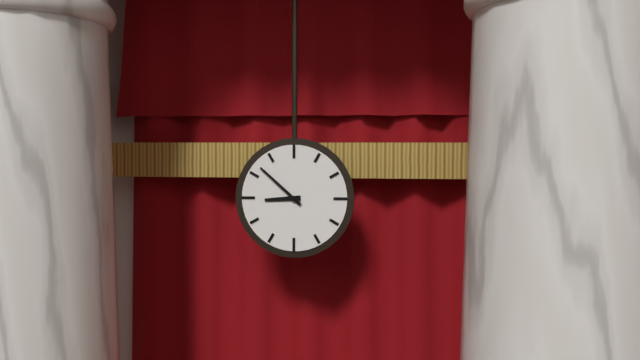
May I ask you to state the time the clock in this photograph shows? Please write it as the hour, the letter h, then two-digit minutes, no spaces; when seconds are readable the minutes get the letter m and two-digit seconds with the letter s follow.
8h52
